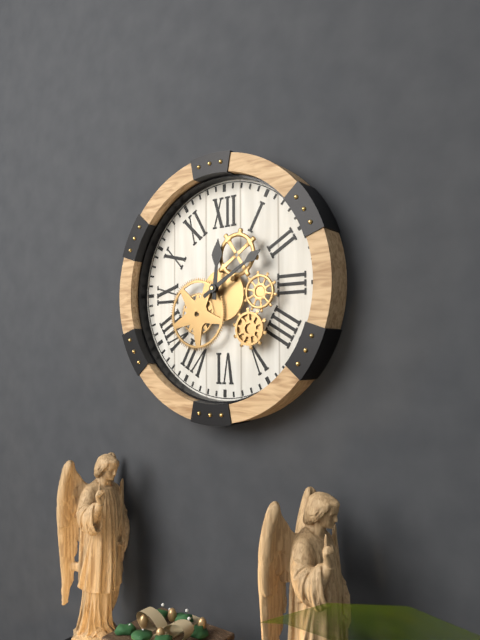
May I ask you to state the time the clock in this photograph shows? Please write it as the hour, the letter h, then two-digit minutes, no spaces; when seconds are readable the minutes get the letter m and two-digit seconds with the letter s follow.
12h10
